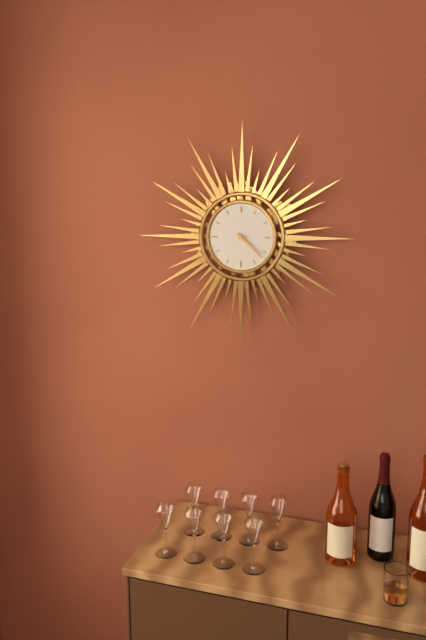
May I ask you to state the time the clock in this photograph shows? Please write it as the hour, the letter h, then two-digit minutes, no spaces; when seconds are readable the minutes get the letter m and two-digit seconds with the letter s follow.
4h22
